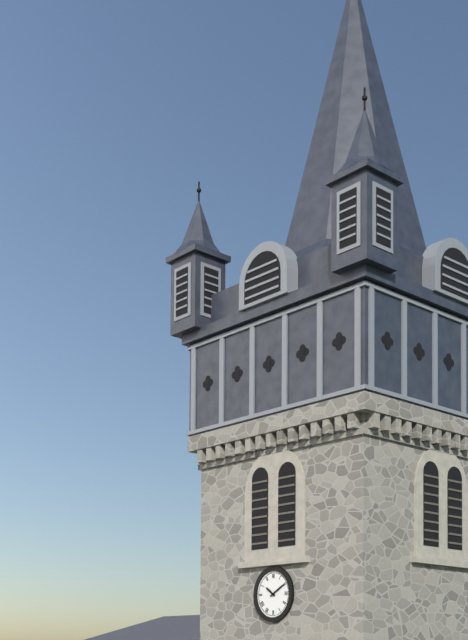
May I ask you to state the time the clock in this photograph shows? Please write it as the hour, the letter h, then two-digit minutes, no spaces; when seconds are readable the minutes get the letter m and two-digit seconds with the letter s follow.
10h10
